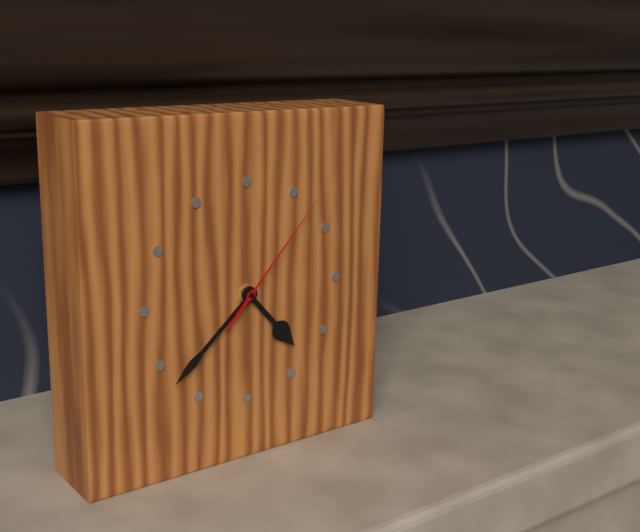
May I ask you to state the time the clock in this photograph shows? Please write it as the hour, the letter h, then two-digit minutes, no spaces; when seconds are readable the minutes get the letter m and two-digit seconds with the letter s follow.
4h38m07s
